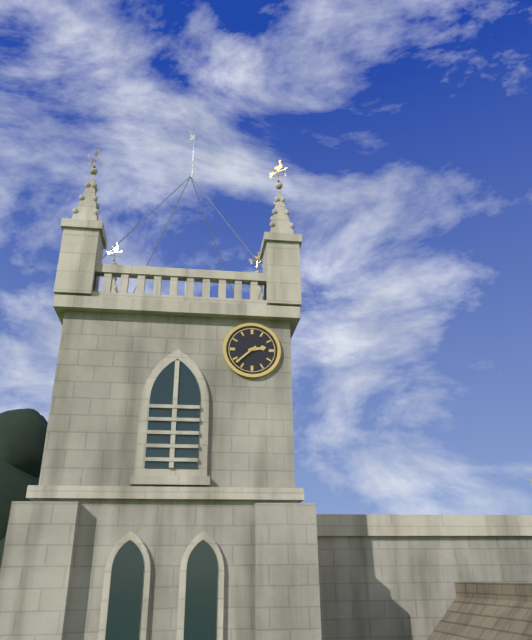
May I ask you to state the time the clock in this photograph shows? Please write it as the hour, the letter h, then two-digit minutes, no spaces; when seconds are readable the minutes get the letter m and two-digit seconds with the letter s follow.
2h38
